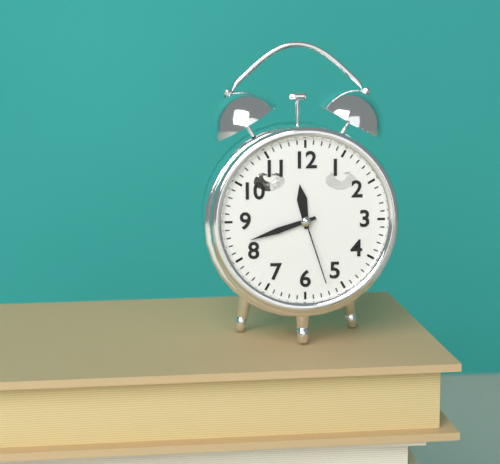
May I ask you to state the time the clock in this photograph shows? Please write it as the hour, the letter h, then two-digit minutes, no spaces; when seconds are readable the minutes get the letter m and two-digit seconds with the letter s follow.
11h42m27s
